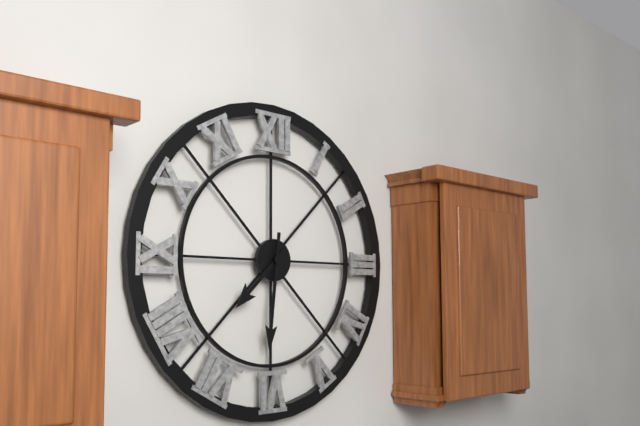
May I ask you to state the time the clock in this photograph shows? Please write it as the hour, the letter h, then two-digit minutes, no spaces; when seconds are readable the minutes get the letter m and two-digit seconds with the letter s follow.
7h31
